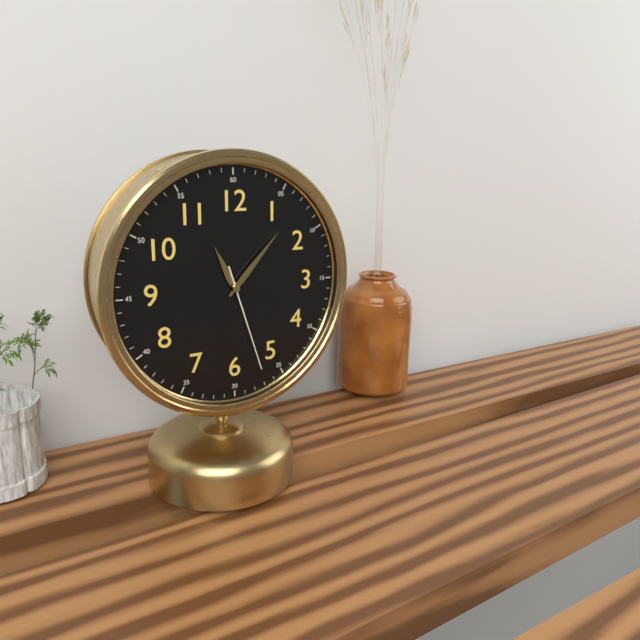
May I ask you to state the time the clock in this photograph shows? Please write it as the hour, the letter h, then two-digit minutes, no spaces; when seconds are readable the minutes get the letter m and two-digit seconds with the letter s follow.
11h07m27s
